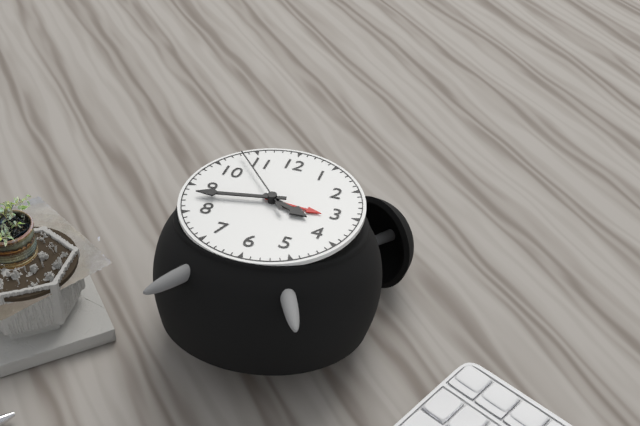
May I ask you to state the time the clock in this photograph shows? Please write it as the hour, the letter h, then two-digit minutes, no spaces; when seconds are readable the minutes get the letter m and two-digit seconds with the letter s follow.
3h43m53s
